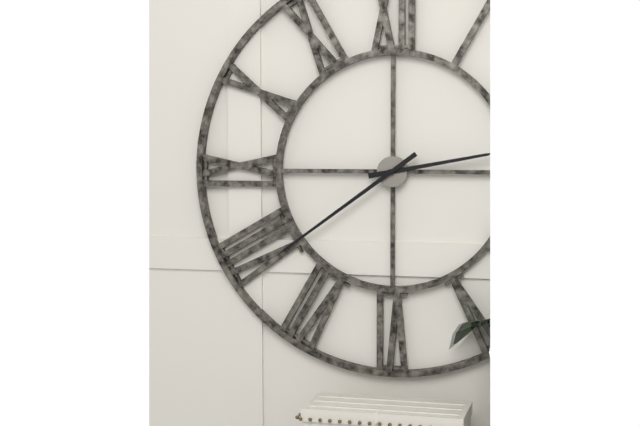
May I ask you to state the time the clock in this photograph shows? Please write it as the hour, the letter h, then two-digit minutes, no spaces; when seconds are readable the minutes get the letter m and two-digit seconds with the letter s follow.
2h39
